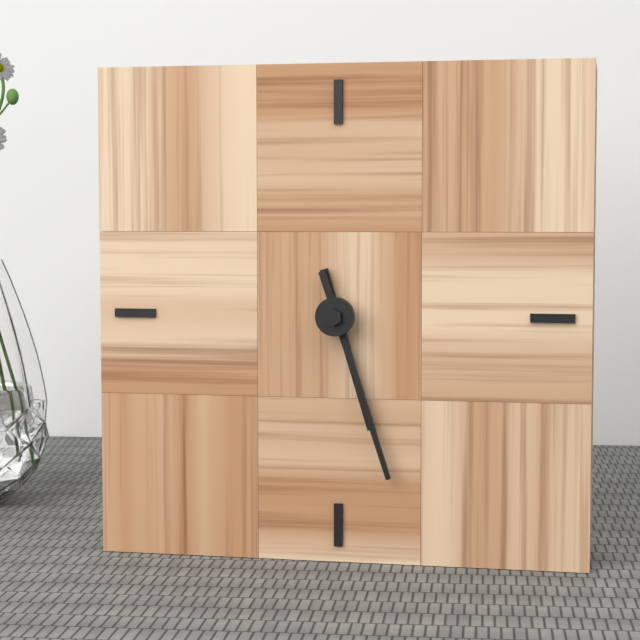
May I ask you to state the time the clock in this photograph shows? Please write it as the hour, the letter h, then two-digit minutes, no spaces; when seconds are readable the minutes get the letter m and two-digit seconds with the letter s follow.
5h27
